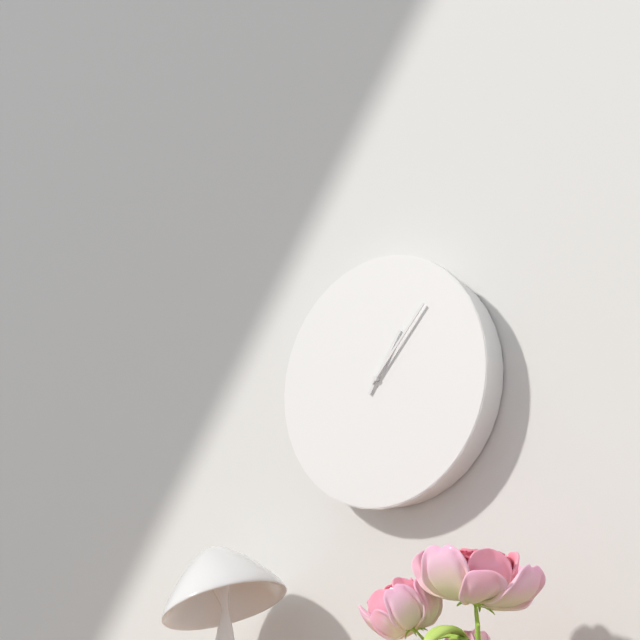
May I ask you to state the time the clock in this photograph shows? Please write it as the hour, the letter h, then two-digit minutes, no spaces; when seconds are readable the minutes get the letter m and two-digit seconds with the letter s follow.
1h07
